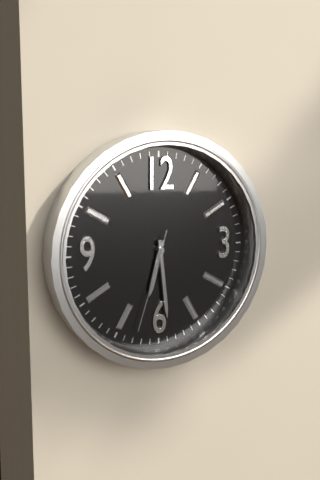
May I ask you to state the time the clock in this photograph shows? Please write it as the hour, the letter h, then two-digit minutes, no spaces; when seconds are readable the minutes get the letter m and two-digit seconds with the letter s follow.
6h29m33s
